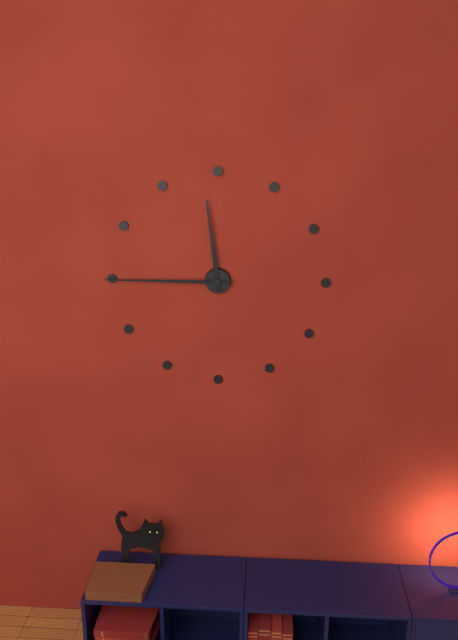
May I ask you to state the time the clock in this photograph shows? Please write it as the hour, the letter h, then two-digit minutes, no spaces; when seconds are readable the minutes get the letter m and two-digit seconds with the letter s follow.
11h45
